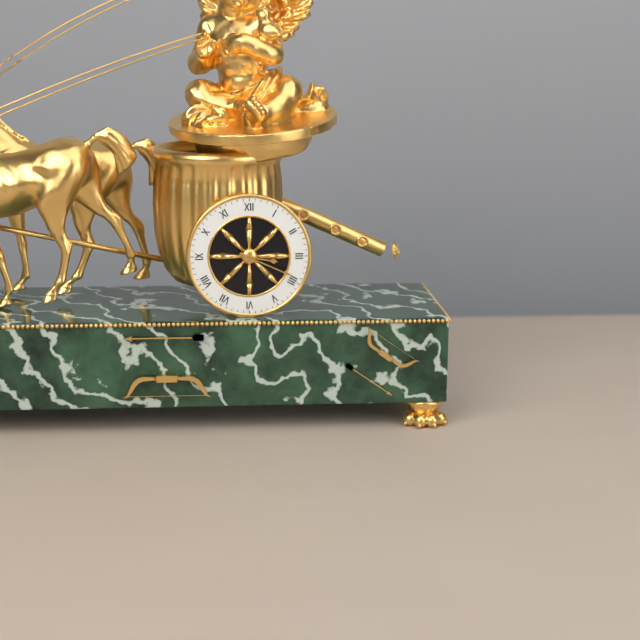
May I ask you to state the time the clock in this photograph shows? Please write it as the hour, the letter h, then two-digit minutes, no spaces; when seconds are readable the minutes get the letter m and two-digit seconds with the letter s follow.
3h19
